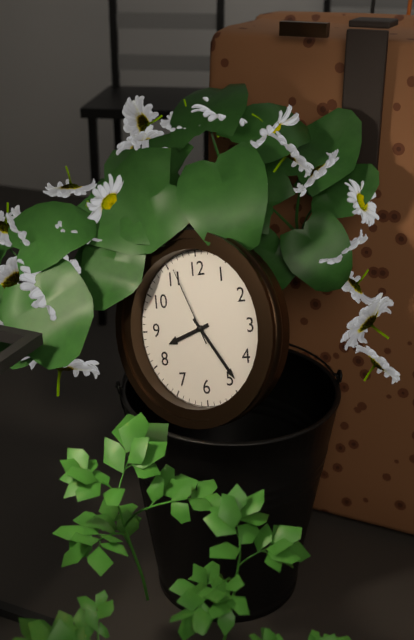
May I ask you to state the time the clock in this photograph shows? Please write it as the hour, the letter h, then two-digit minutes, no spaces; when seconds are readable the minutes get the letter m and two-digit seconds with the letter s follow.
8h24m56s
